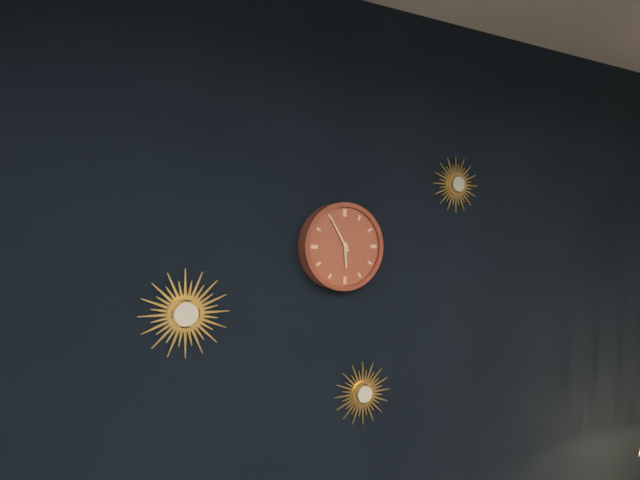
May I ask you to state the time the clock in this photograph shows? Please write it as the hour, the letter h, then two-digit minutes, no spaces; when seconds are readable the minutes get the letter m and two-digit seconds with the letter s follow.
5h55
